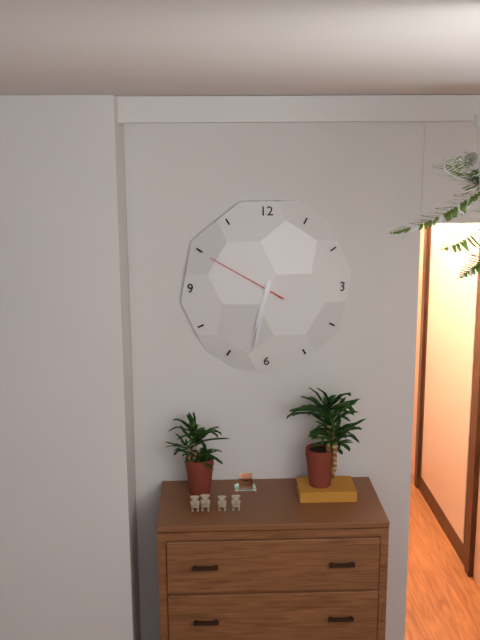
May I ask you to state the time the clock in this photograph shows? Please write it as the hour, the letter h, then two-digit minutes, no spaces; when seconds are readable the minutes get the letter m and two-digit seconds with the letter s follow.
6h32m50s
